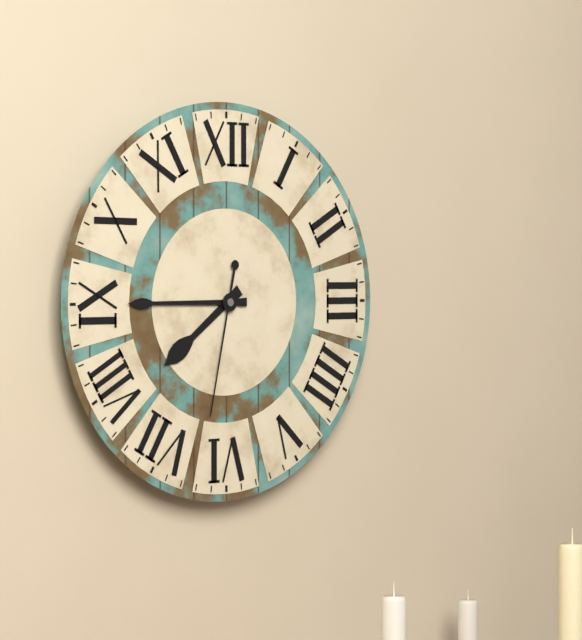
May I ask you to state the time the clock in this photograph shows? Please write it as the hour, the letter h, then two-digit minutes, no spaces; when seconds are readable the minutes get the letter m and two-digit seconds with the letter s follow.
7h45m32s
